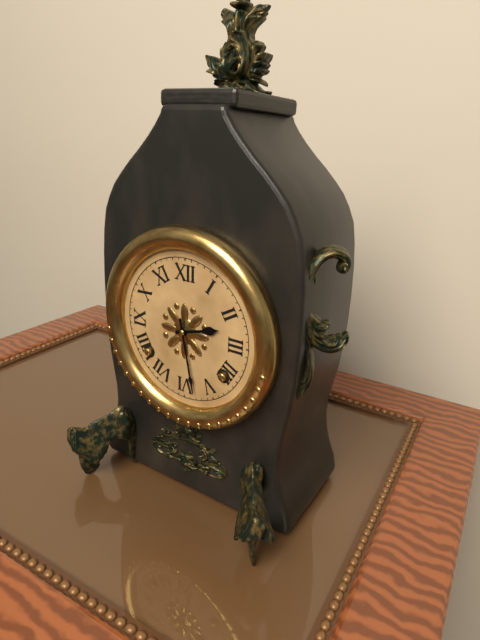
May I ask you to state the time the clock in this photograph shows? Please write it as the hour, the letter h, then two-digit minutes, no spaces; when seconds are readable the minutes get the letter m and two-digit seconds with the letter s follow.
2h28
